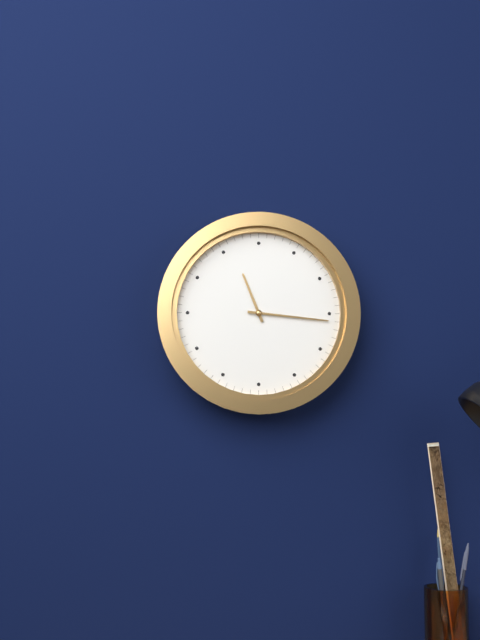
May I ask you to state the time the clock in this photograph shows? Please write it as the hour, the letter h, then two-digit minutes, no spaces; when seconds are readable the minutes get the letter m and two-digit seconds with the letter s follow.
11h16
